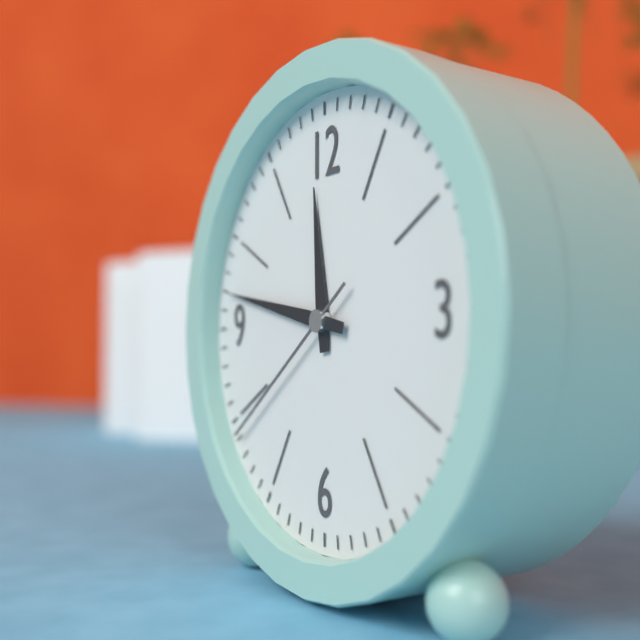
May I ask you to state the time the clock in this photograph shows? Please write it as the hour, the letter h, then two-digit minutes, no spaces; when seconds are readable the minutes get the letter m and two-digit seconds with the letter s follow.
11h47m39s
